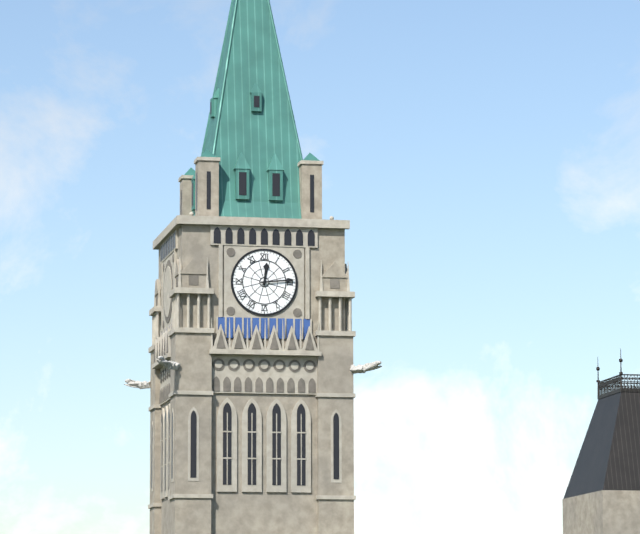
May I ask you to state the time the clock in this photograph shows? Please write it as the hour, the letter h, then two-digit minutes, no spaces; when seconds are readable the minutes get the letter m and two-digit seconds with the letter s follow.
12h14
